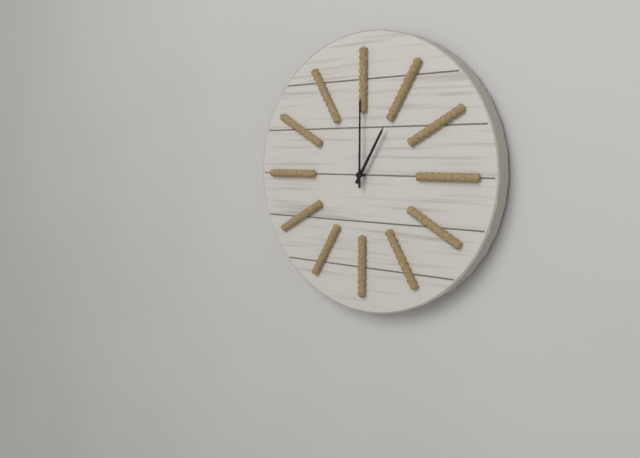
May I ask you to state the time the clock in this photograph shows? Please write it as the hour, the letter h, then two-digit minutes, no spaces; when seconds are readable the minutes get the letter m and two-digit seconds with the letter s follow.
1h00
